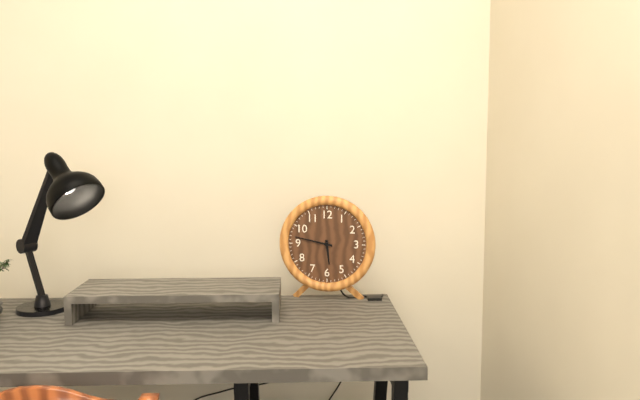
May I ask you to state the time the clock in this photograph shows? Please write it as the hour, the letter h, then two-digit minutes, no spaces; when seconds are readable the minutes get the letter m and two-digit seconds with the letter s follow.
5h47
